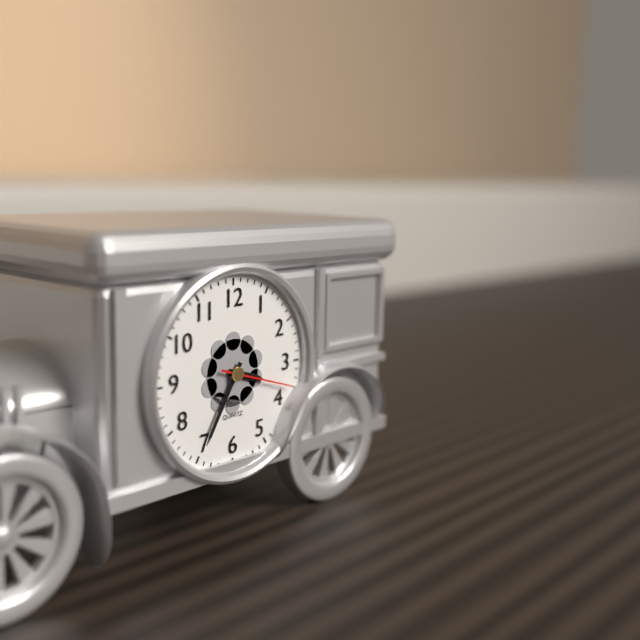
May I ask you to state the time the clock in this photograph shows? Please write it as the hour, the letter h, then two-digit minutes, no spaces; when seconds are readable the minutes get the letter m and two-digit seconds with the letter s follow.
3h35m18s
